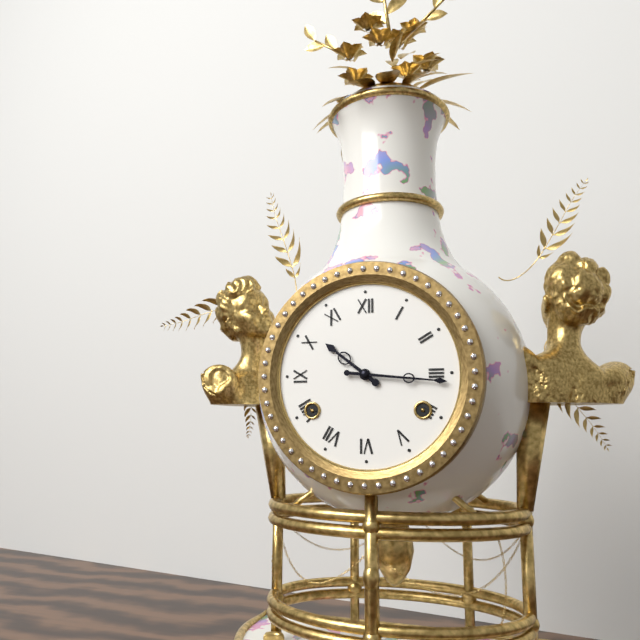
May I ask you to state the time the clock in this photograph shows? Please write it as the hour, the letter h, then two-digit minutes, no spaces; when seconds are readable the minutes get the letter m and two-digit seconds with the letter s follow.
10h16
